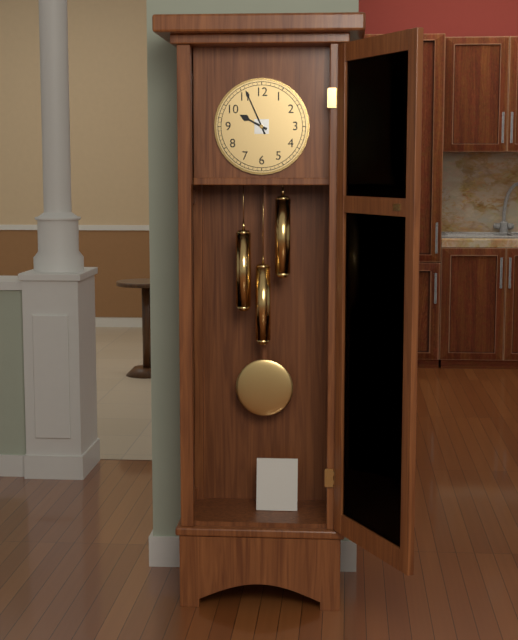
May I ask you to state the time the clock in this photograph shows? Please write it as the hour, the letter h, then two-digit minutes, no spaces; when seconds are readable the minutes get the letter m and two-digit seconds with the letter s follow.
9h56
